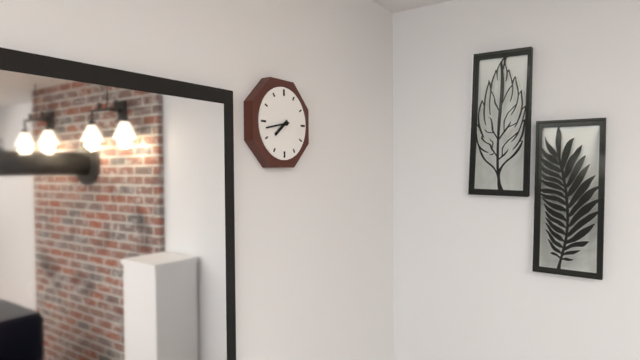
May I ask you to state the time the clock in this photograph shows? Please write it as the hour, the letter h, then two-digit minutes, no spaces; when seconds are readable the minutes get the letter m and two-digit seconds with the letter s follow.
7h43
